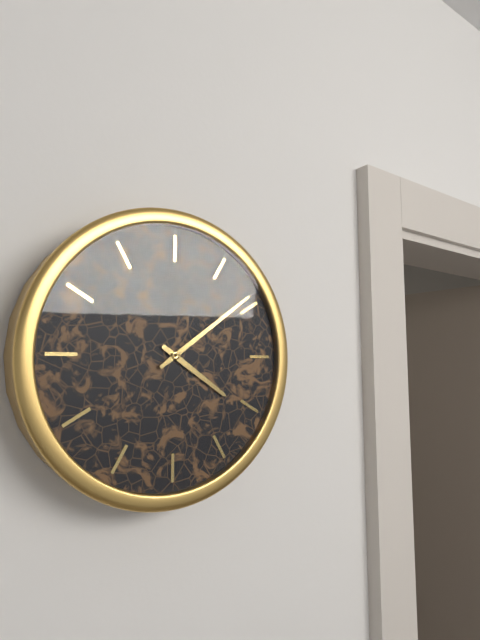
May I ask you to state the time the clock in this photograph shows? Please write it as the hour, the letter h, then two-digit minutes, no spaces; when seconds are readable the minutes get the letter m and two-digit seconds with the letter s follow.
4h09
